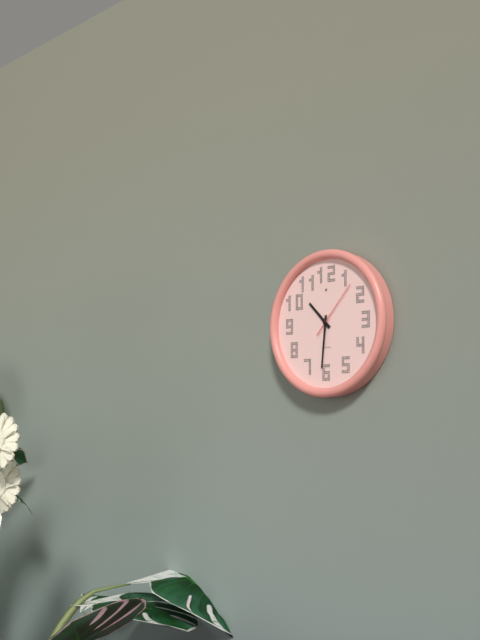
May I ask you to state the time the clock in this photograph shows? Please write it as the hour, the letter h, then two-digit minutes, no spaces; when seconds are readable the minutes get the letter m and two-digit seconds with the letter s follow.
10h31m07s
